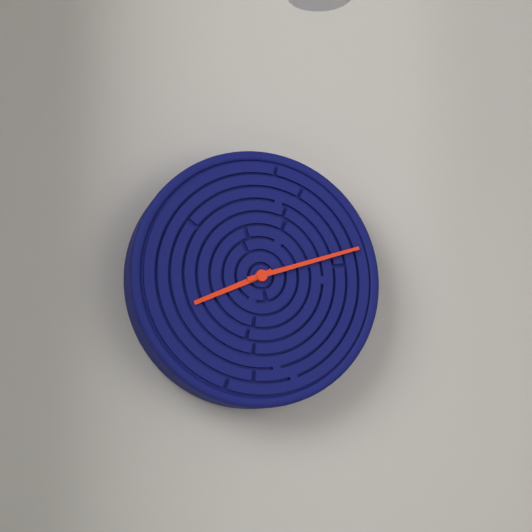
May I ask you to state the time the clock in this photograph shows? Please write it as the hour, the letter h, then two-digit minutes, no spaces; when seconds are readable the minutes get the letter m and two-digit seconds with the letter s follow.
8h12
